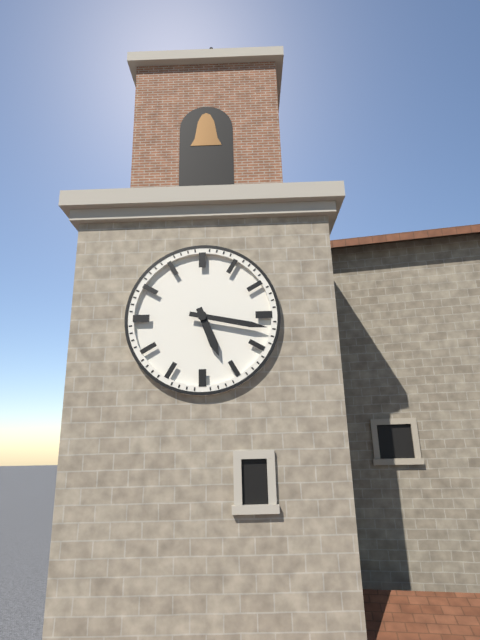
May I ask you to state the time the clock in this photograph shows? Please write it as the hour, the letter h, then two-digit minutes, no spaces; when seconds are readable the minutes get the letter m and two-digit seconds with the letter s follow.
5h17
